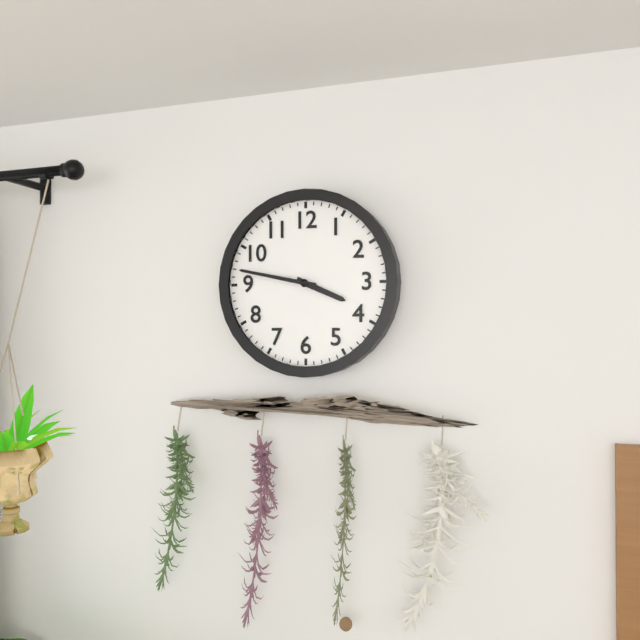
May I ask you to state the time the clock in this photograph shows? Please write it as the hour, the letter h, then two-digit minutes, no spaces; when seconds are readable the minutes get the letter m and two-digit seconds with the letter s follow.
3h47
